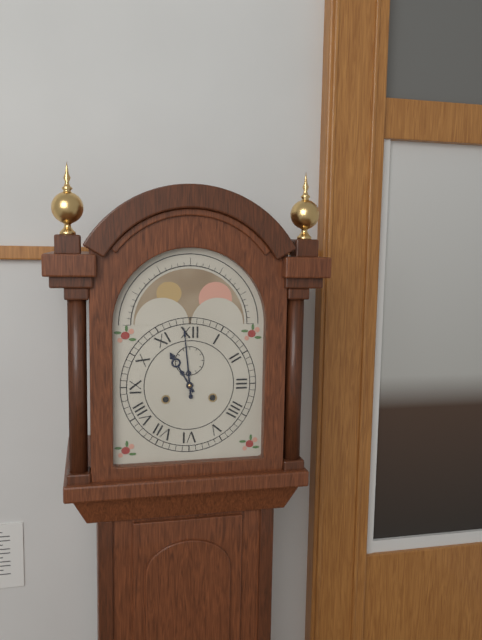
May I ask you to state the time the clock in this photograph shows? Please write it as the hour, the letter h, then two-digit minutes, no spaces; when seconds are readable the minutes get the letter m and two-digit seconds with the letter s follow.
10h59
